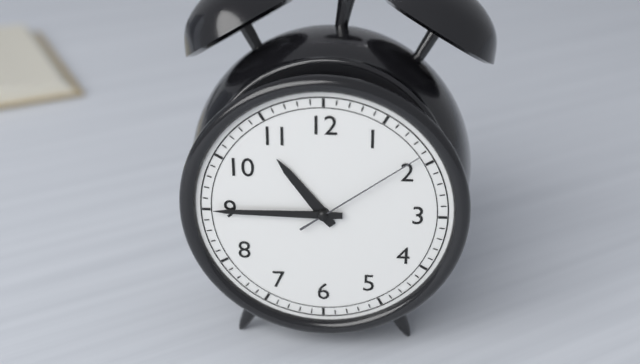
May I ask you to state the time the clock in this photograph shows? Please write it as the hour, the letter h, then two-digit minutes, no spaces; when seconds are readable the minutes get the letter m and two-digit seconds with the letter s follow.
10h45m09s
